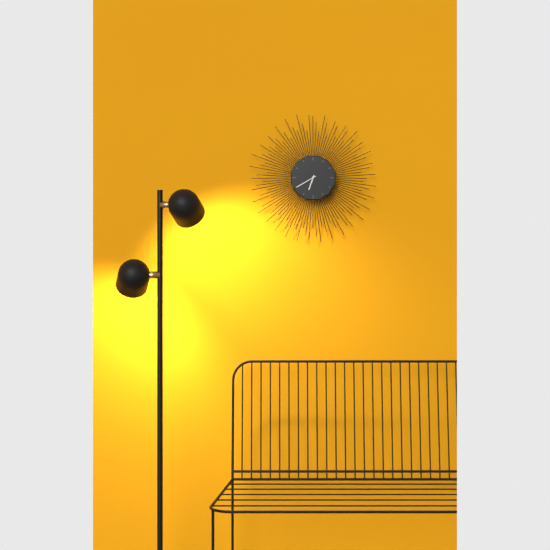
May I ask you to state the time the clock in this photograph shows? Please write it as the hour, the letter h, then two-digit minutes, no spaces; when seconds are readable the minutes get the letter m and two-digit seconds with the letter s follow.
6h40
